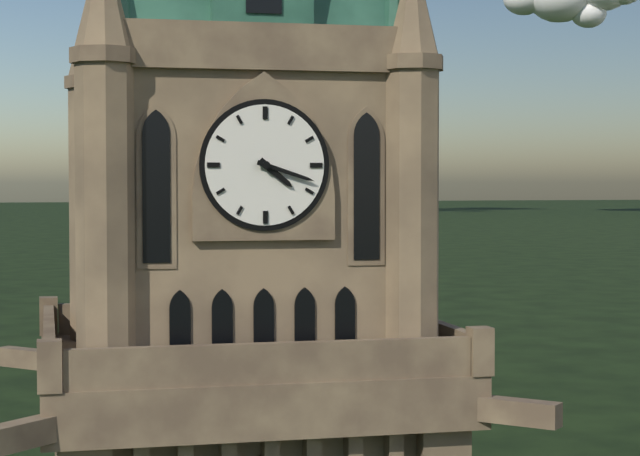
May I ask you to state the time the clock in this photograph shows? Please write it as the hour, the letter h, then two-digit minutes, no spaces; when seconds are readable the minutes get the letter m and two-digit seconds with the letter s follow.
4h18
